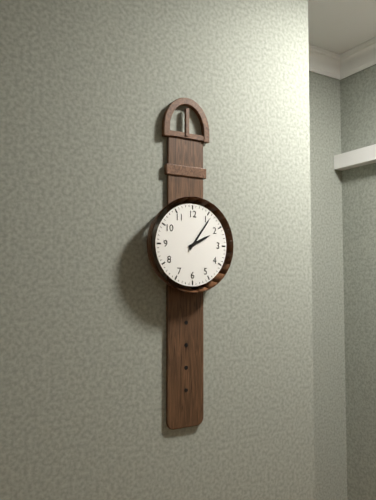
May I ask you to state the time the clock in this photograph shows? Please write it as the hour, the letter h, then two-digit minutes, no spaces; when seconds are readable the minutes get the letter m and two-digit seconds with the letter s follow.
2h06
